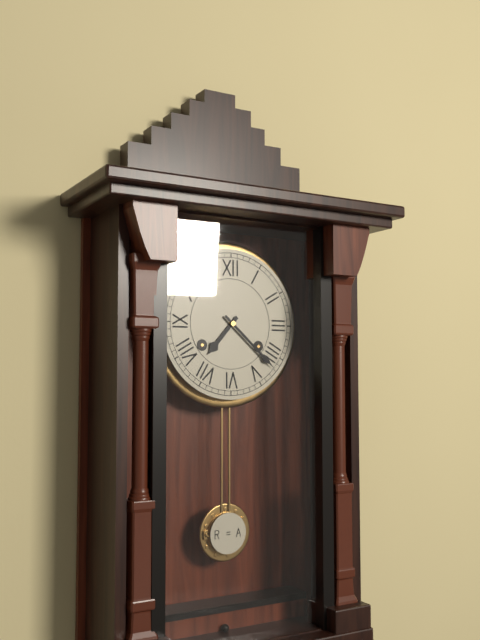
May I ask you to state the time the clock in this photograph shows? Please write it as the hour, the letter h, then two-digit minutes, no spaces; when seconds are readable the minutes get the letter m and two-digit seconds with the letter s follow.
7h22
